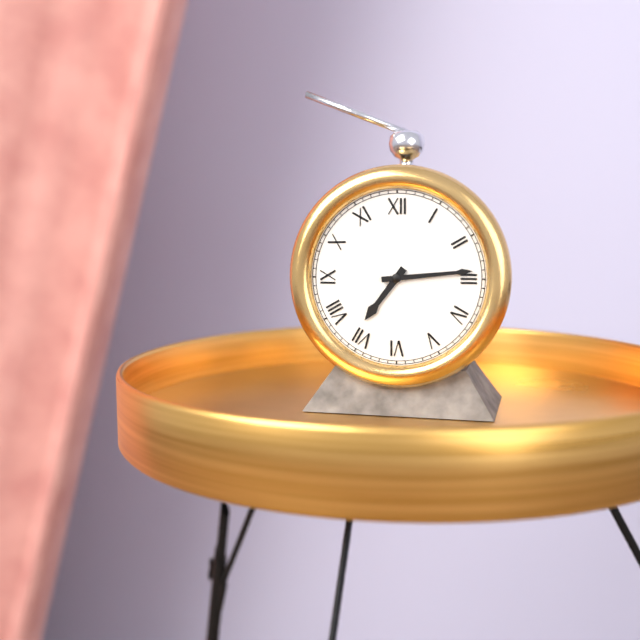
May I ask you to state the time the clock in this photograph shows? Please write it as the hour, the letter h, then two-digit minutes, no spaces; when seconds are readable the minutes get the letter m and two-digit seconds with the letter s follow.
7h14
